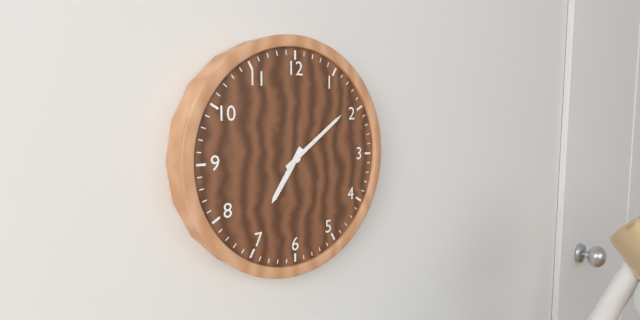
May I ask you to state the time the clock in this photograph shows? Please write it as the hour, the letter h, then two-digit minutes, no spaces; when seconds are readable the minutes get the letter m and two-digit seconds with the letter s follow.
7h09
